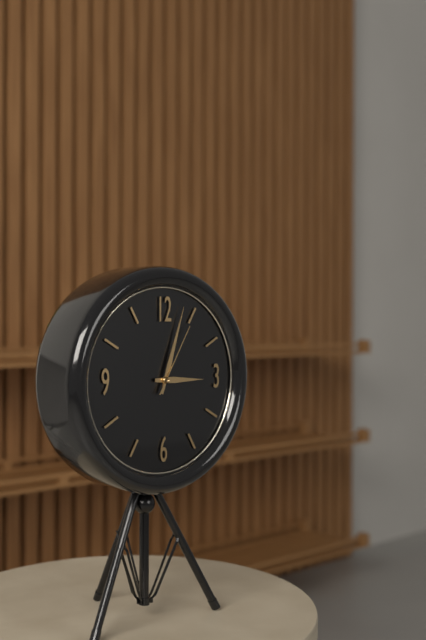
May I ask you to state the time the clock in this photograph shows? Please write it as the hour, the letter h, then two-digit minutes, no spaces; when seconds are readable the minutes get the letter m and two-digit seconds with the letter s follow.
3h03m05s
